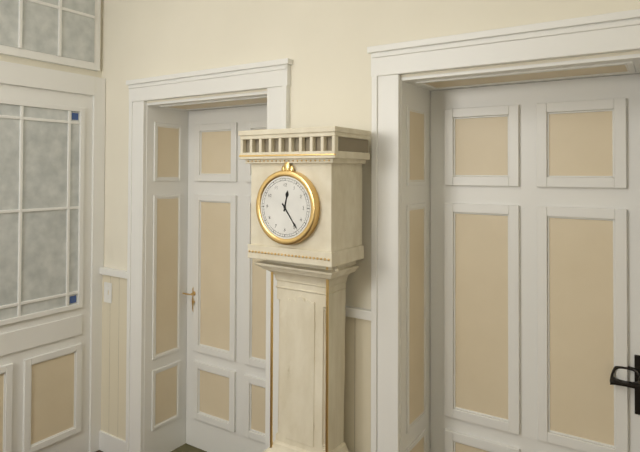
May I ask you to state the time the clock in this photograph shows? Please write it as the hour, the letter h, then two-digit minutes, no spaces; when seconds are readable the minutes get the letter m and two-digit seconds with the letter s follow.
12h24
